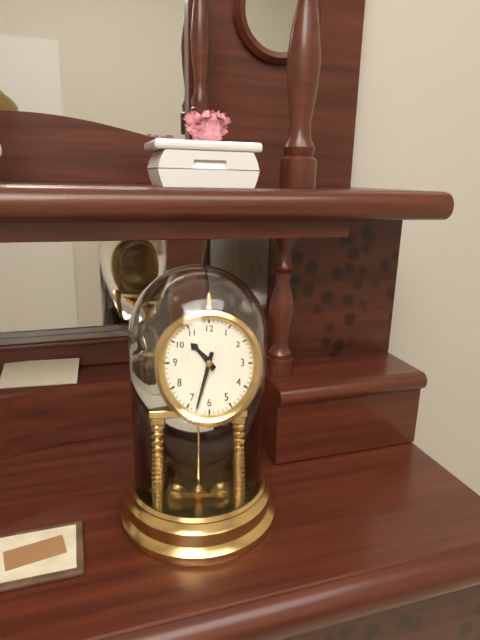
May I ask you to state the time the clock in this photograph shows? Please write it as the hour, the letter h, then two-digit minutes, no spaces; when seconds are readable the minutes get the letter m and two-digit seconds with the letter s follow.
10h33
